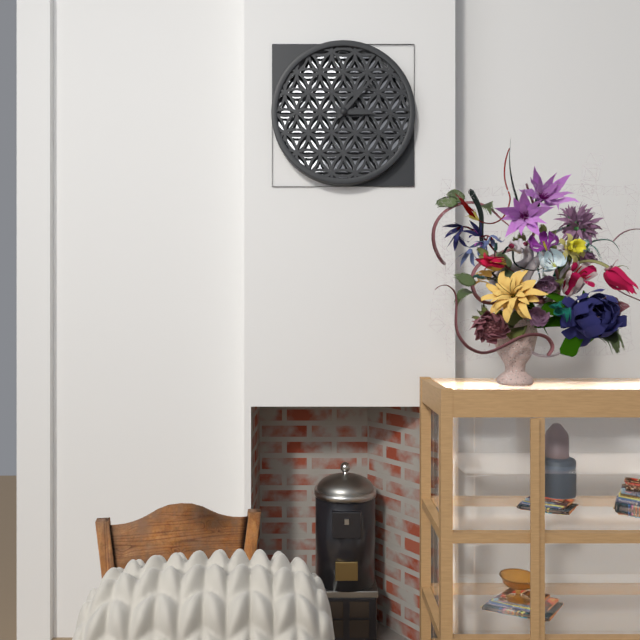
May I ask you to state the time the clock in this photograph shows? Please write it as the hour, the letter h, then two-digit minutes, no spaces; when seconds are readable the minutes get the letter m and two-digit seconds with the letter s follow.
3h07
